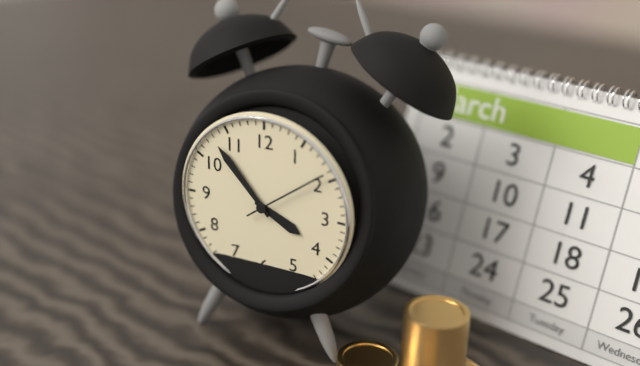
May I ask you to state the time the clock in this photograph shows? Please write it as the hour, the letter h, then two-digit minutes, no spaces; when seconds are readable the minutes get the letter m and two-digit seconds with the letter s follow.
3h53m09s
